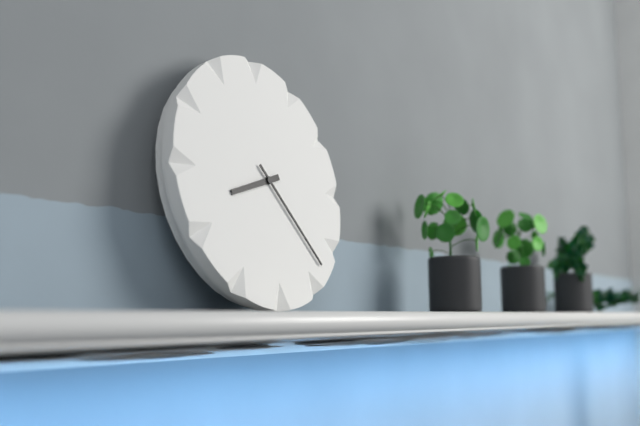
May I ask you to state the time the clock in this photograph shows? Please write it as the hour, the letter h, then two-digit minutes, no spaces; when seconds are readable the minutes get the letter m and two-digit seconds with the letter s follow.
8h23
